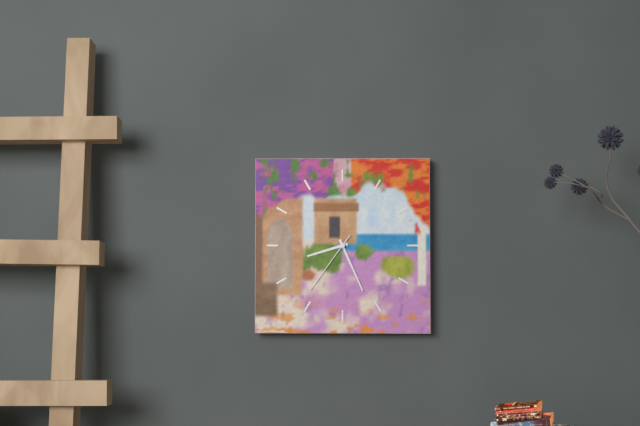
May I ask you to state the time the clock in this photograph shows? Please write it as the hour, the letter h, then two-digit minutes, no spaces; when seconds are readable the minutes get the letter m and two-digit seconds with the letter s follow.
8h26m36s
